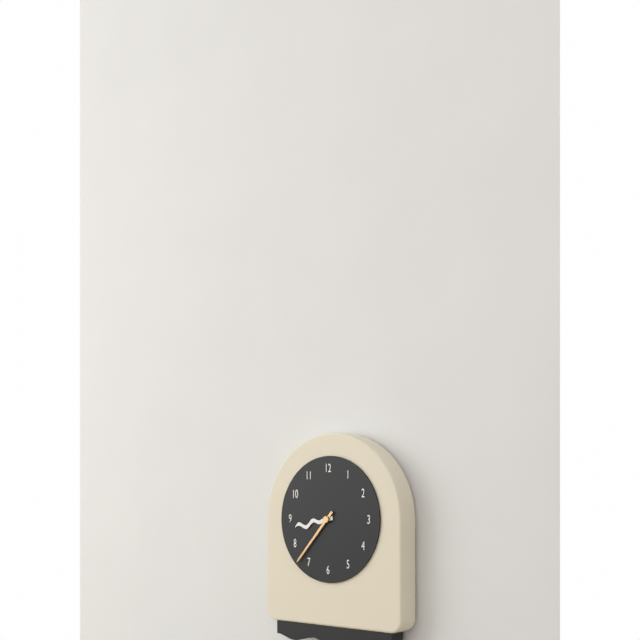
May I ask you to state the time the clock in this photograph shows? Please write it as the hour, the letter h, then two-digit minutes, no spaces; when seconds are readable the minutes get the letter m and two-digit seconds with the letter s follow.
8h37
